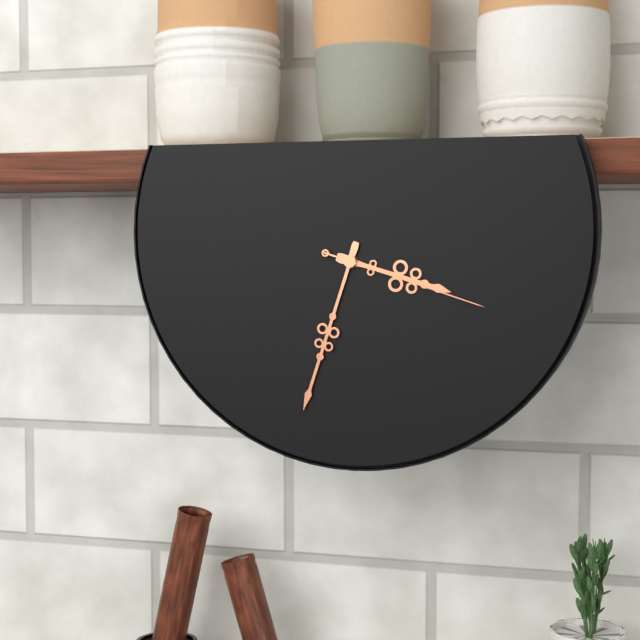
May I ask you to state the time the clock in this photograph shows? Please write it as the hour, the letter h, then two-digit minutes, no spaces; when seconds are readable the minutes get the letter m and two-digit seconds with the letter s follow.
3h33m18s
